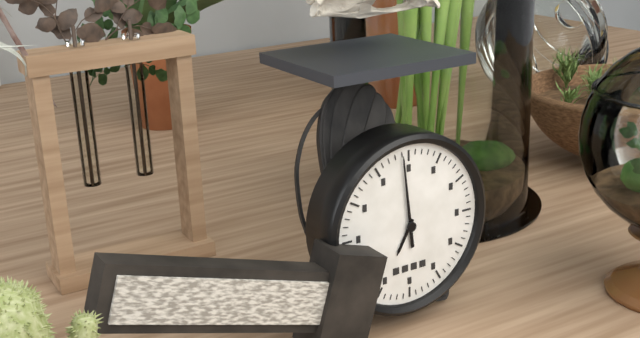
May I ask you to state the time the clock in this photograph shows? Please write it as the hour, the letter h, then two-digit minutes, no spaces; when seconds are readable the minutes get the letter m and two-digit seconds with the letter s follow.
6h59
